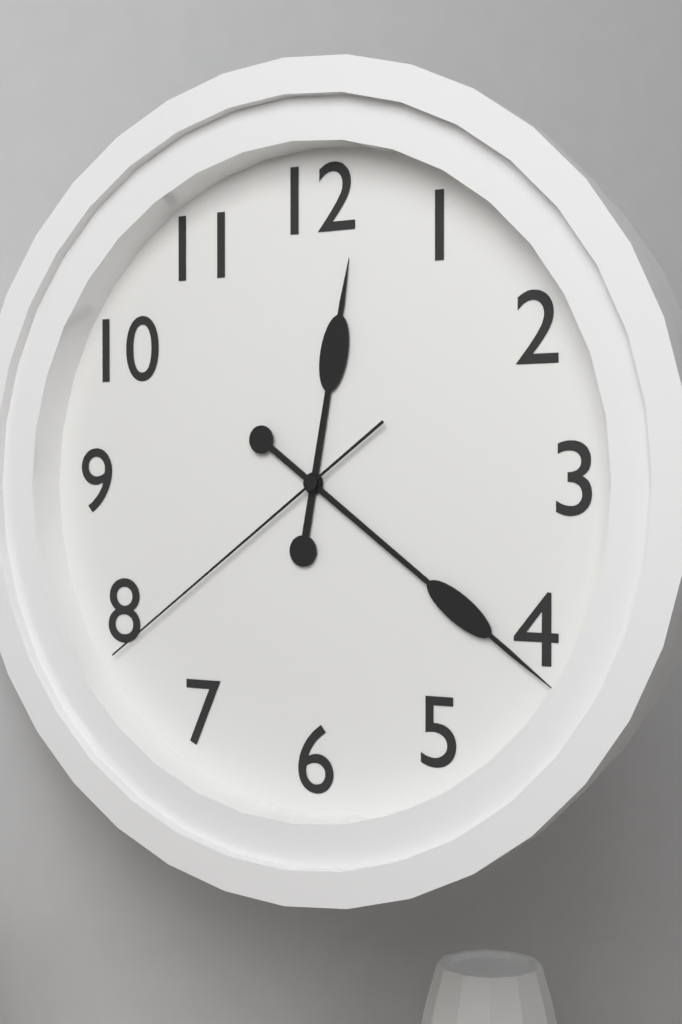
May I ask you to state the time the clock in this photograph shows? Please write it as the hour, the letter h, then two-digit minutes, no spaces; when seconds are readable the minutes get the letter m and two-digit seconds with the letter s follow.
12h21m39s
